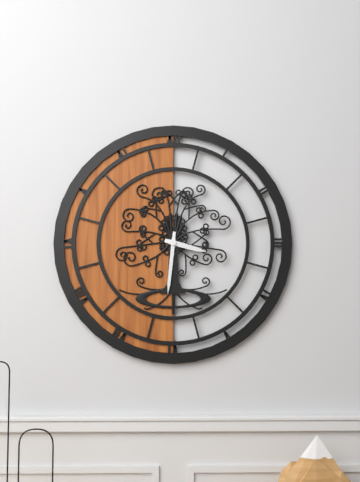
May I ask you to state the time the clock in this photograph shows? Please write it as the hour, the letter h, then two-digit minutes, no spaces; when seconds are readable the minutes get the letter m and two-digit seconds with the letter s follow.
3h31
